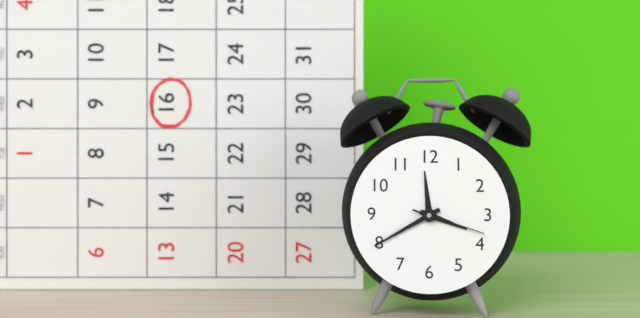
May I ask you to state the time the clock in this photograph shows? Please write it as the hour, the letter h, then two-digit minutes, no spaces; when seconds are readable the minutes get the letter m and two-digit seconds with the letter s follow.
3h40m18s
